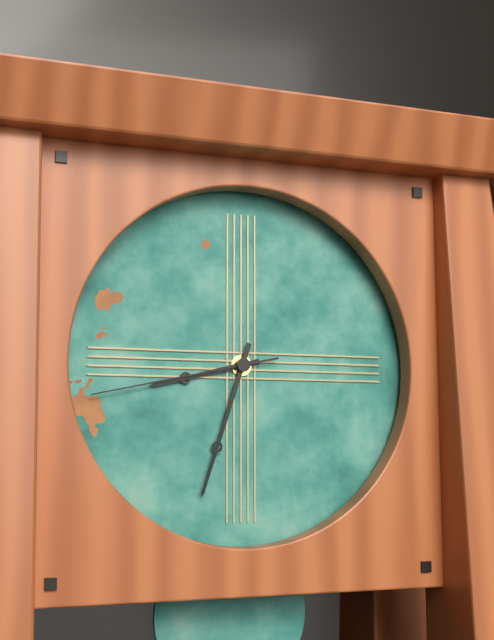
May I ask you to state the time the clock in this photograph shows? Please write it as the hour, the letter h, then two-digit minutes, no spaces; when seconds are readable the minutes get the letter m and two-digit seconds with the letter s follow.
8h33m43s
